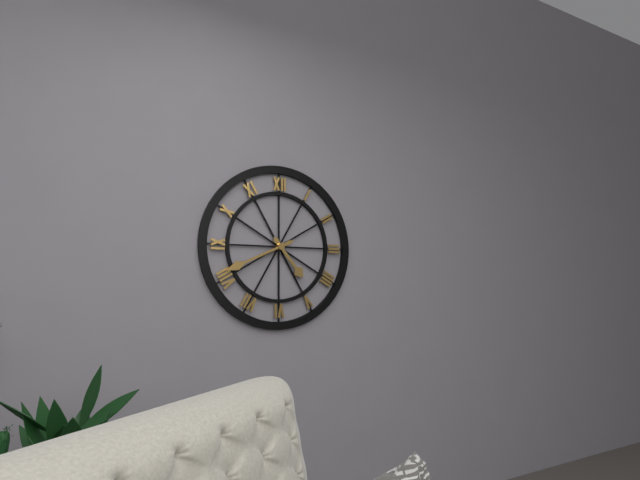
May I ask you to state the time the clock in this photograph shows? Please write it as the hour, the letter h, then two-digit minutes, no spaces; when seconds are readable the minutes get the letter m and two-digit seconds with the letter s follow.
4h41
